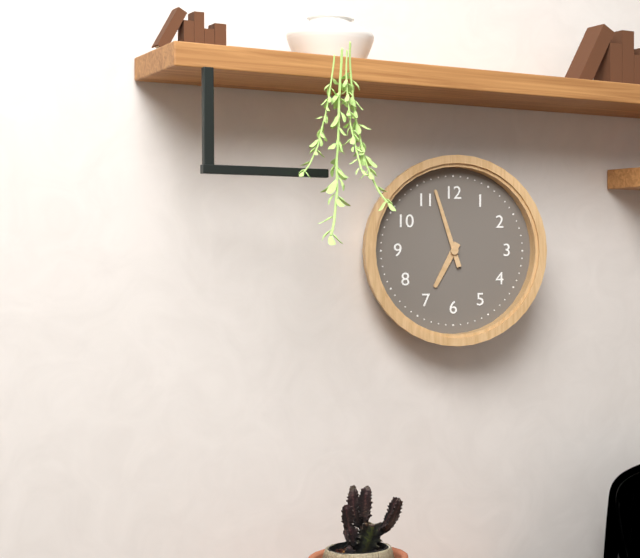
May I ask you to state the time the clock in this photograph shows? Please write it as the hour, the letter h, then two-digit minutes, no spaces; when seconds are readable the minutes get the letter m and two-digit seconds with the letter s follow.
6h57
